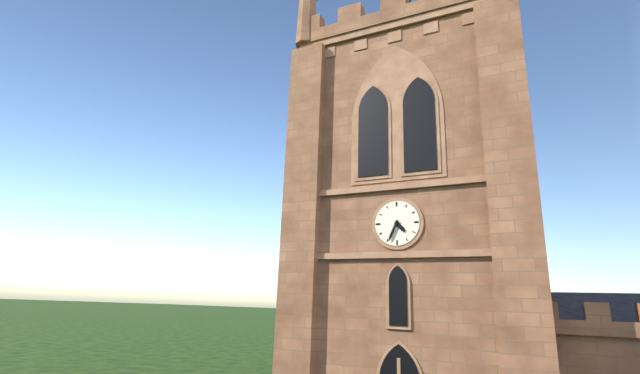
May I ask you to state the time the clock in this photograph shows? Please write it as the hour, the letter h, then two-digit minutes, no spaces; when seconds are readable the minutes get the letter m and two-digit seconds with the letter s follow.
4h34
